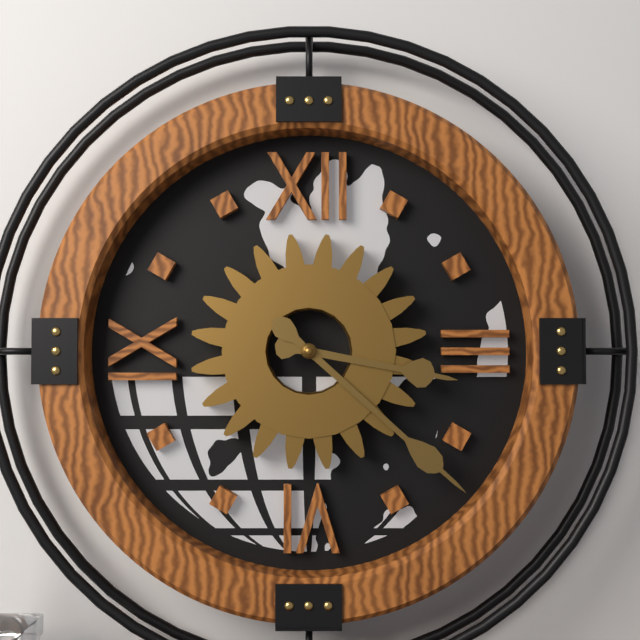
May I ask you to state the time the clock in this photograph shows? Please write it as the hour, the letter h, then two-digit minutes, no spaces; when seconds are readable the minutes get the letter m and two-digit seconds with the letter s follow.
3h22
